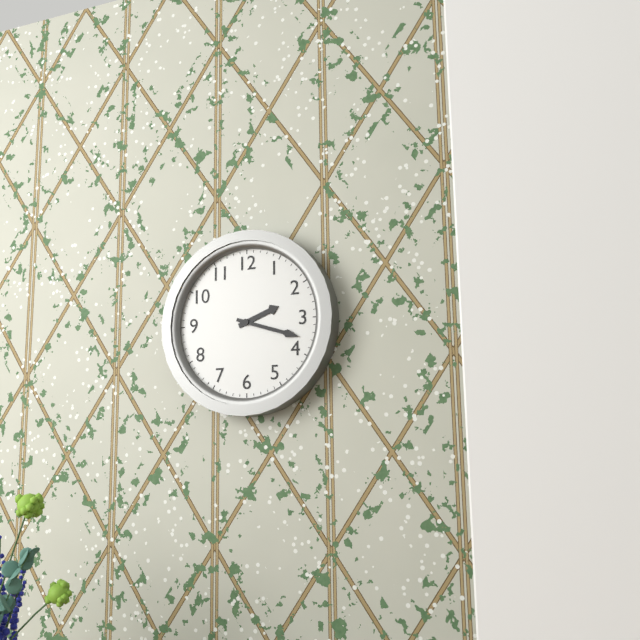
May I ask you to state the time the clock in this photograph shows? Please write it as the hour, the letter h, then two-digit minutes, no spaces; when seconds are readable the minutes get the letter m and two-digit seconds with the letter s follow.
2h18
